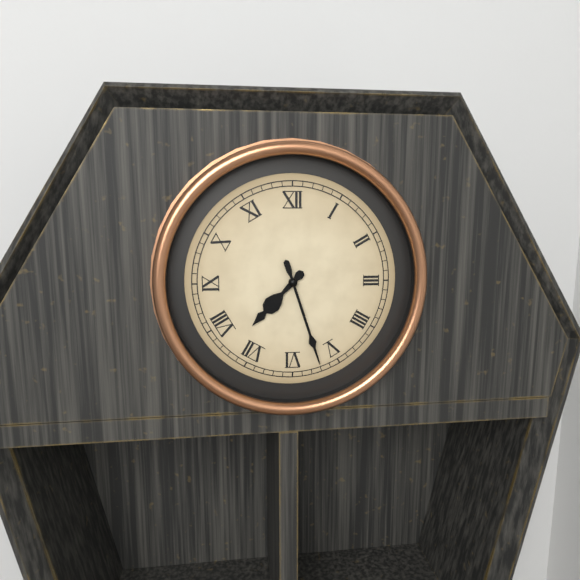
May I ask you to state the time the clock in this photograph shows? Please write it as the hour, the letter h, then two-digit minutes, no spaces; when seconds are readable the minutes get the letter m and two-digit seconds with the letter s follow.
7h27
